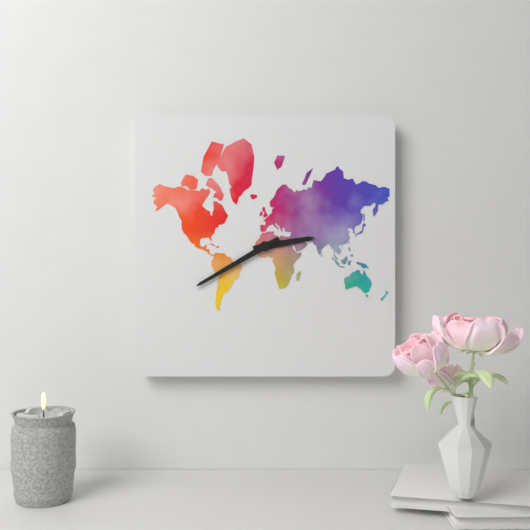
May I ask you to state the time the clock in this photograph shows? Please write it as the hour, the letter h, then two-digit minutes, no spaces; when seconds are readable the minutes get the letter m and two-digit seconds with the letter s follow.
2h40
